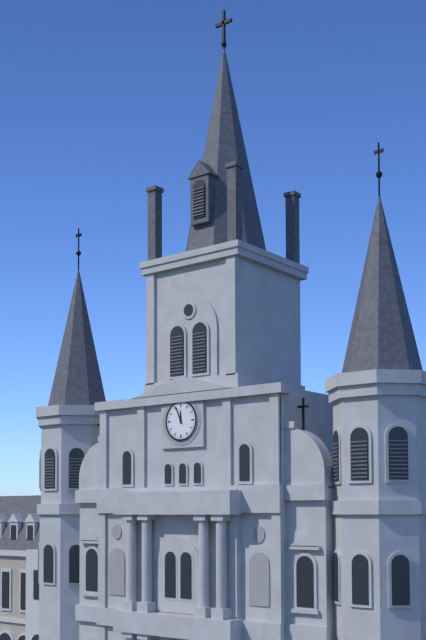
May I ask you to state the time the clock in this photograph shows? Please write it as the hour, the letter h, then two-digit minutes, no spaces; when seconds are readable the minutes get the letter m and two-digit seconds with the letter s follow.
11h56
